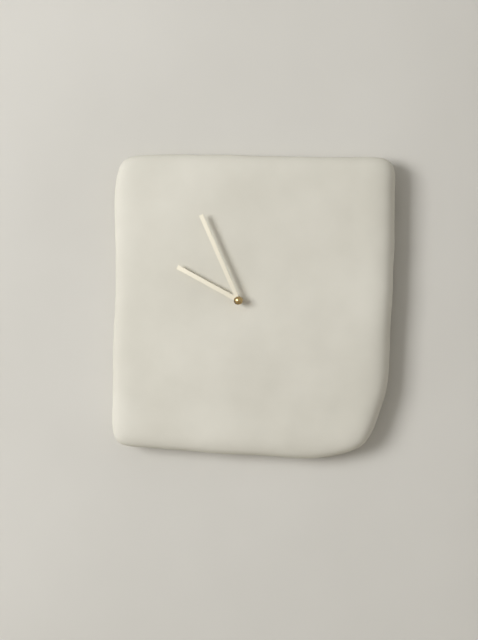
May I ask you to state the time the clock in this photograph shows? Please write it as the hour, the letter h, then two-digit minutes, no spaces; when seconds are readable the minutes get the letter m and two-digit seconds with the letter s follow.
9h56
